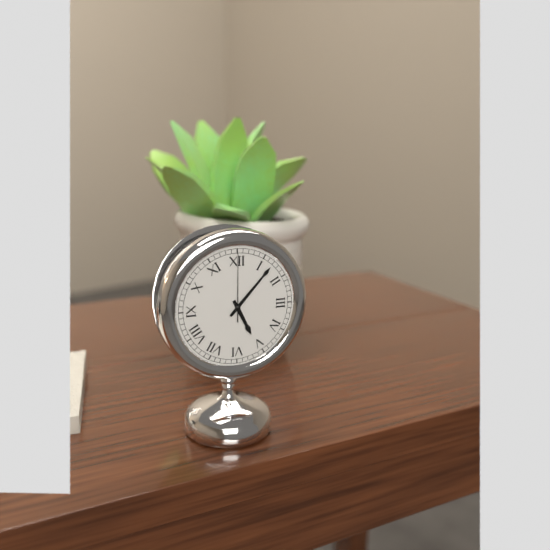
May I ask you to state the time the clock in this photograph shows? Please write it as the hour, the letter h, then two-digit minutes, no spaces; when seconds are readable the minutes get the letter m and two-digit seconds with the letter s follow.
5h07m00s
